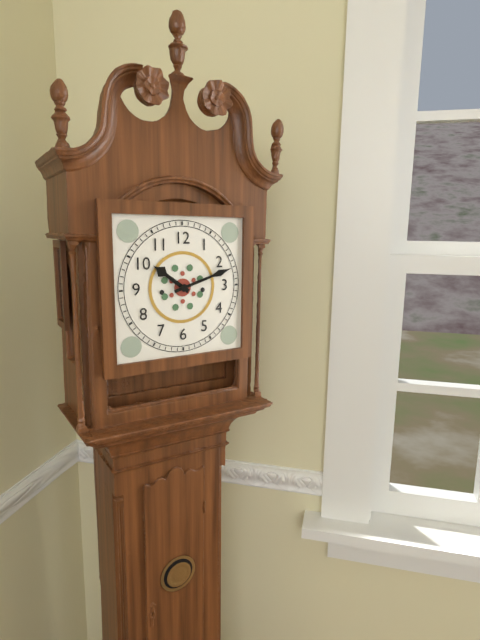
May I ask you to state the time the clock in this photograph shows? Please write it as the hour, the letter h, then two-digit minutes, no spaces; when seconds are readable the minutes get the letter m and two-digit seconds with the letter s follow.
10h12
